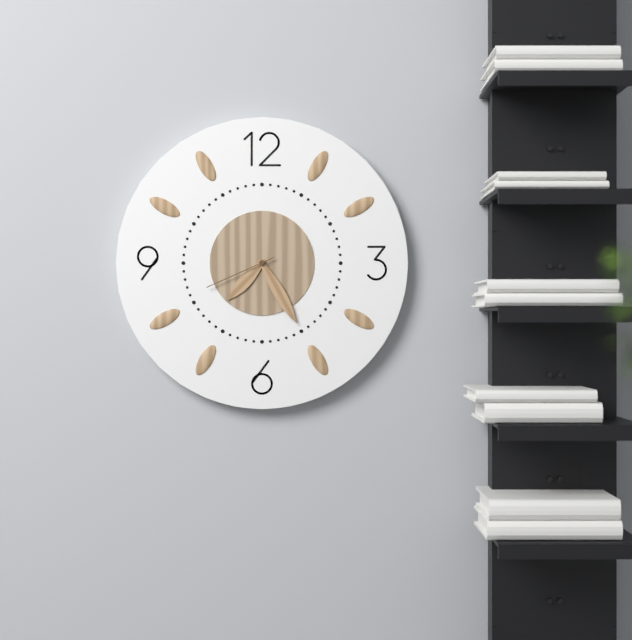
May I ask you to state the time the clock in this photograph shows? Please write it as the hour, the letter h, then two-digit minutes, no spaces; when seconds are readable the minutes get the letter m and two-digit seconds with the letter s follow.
7h25m41s
